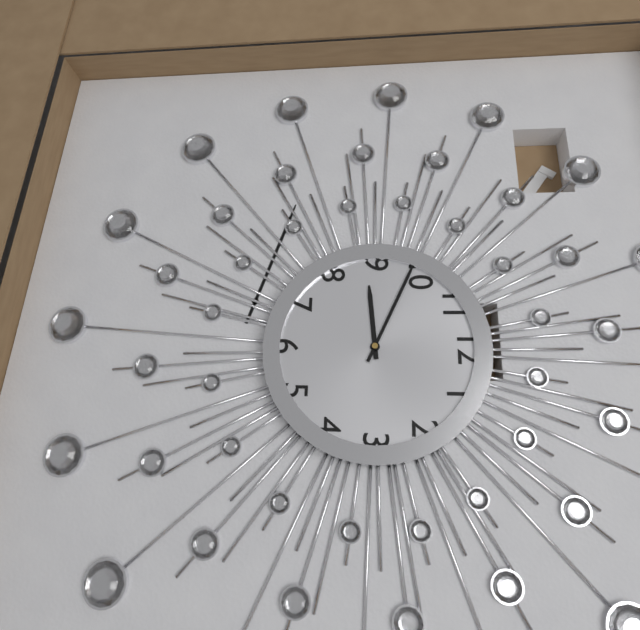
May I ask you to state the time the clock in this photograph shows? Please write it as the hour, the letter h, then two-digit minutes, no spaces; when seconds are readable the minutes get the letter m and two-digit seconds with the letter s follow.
8h49
